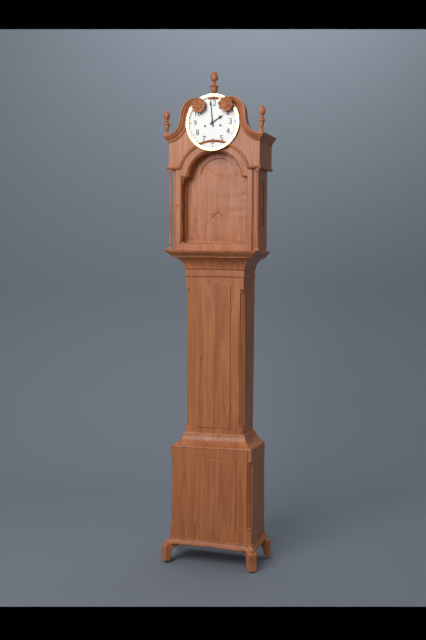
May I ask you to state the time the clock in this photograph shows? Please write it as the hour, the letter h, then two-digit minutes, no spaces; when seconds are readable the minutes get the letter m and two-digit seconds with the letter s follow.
1h59
